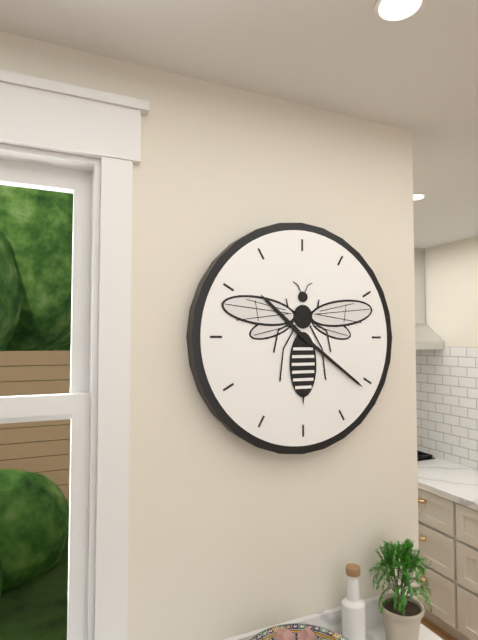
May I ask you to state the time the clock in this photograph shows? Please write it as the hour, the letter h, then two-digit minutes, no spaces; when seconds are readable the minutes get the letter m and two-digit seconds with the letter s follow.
10h21
